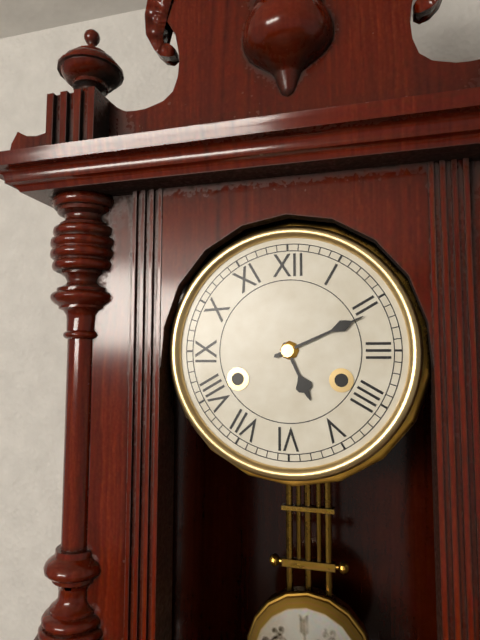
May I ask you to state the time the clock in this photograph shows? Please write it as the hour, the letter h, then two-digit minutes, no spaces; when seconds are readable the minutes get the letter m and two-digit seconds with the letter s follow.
5h11
